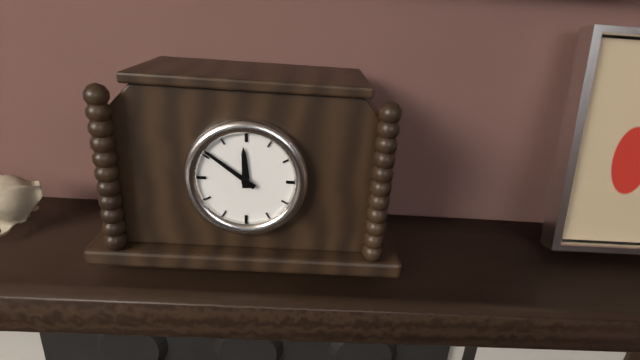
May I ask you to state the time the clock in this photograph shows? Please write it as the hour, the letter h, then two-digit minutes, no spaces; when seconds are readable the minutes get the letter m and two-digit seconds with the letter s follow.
11h51
